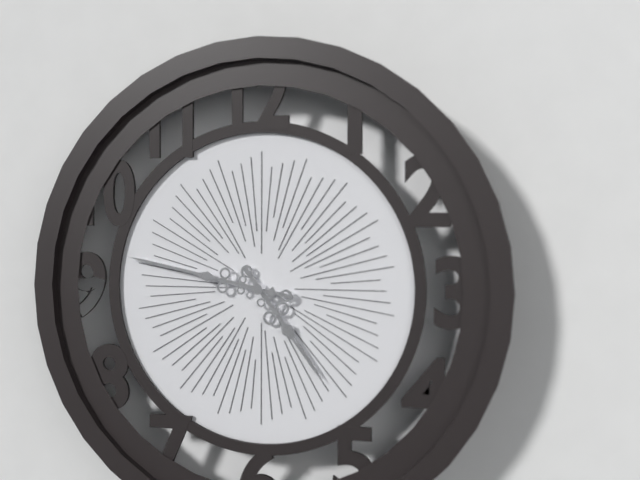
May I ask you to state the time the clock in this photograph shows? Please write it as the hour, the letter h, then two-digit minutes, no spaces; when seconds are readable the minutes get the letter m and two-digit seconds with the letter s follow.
4h47
